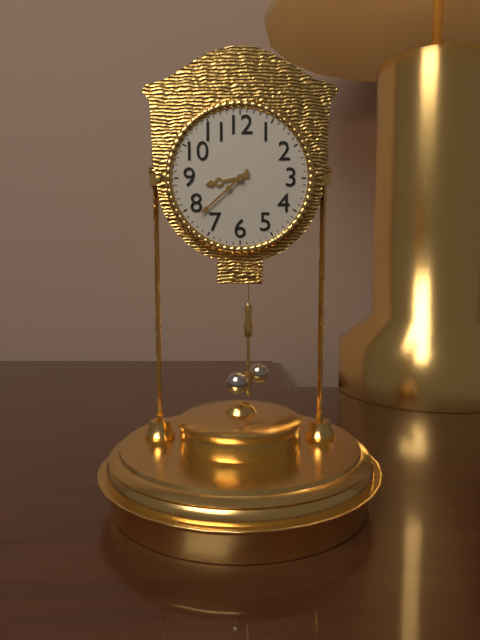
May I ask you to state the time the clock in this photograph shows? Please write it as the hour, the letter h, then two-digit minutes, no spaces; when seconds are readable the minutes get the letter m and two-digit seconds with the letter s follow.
8h38
